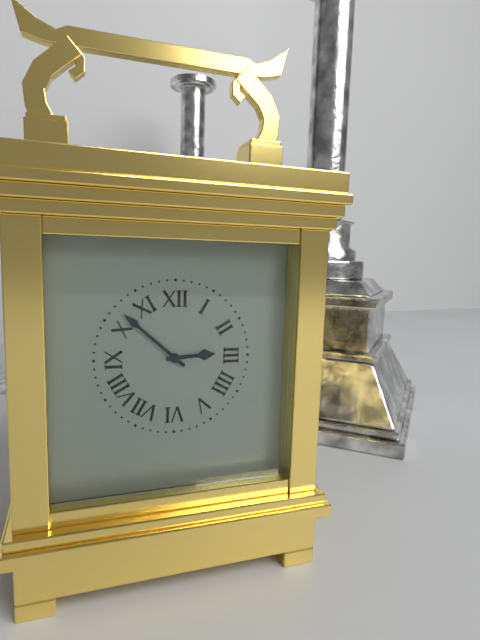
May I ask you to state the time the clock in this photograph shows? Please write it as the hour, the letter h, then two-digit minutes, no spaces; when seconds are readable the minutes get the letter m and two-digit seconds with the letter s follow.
2h52
